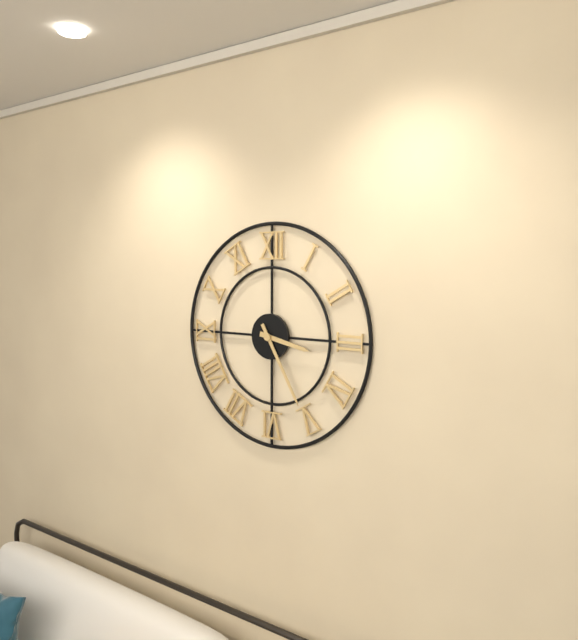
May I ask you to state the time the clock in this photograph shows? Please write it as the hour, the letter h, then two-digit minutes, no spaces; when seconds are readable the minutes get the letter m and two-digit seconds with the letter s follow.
3h25
